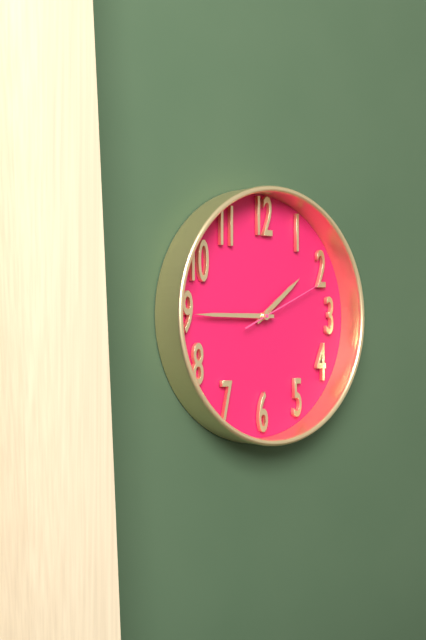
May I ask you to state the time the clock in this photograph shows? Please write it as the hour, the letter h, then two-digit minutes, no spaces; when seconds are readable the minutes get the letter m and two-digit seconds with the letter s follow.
1h45m11s
